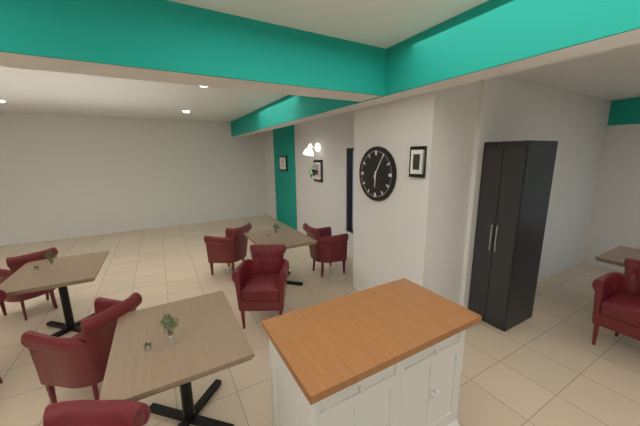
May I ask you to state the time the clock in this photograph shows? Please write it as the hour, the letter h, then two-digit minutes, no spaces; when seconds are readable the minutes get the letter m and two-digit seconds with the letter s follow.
6h05
